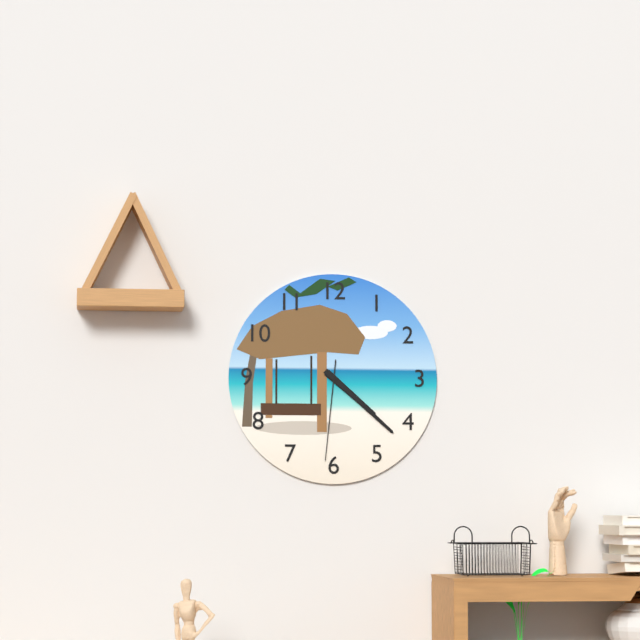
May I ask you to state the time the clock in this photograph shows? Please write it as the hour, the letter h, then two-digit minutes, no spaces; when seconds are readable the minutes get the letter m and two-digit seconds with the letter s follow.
4h22m31s
